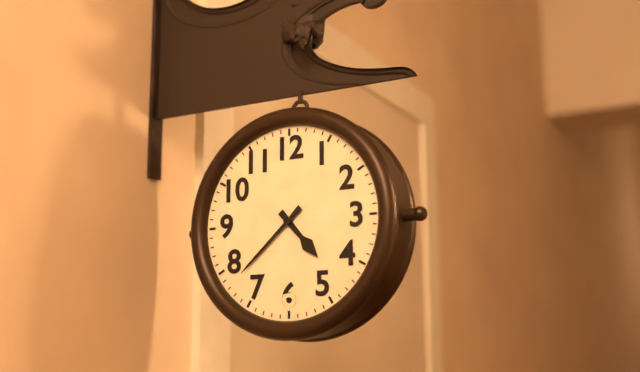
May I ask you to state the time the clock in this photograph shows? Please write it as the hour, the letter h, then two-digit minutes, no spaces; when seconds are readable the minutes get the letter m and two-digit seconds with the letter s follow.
4h38
